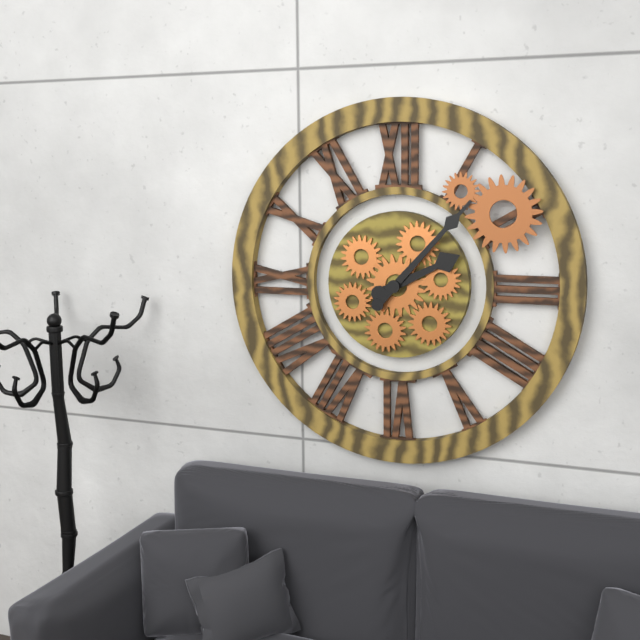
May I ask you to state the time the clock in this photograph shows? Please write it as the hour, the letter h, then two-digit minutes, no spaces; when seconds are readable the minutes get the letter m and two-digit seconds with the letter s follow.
2h07
